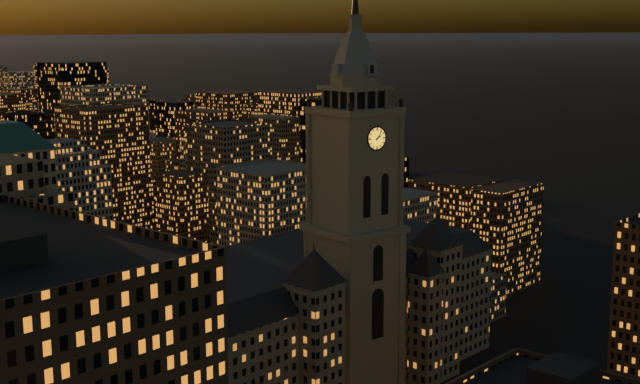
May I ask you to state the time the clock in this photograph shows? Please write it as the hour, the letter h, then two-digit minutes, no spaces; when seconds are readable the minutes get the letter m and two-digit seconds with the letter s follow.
2h06
